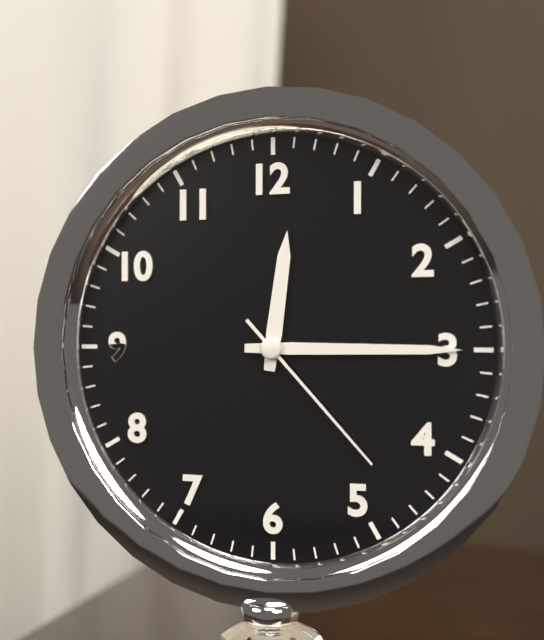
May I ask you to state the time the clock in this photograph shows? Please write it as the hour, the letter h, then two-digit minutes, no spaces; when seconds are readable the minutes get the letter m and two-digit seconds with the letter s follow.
12h15m23s
